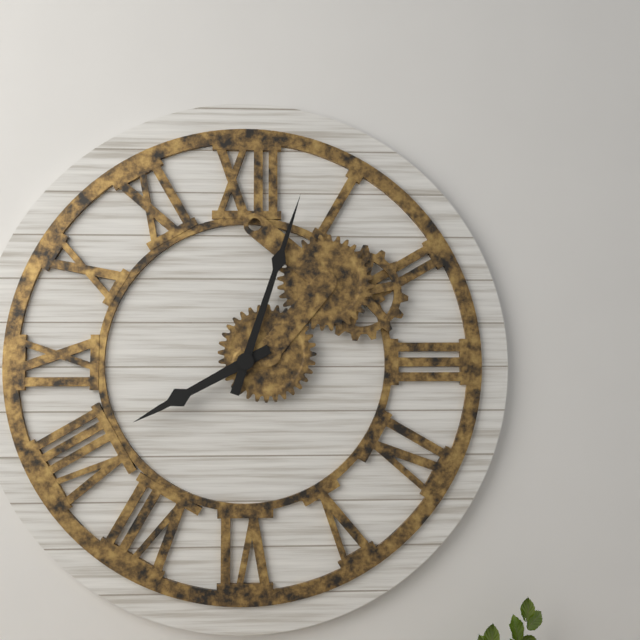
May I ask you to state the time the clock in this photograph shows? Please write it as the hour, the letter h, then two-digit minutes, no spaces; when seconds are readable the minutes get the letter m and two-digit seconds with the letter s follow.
8h03
